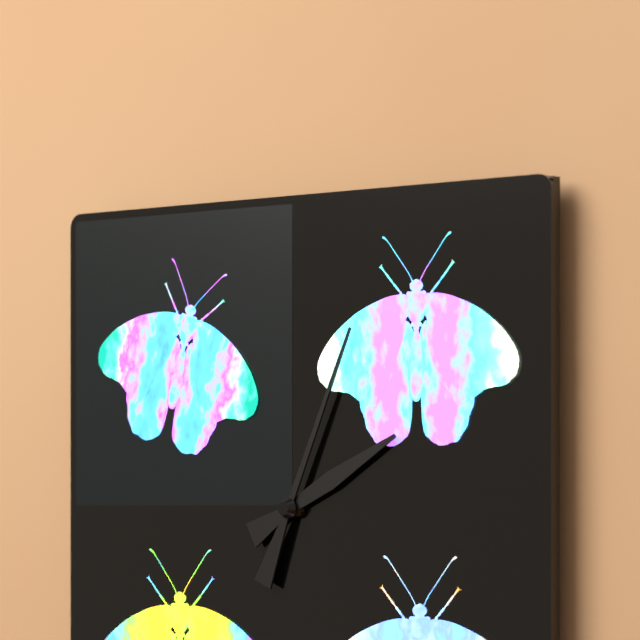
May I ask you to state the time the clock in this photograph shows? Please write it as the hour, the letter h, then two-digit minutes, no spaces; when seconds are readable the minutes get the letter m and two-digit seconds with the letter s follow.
2h04
